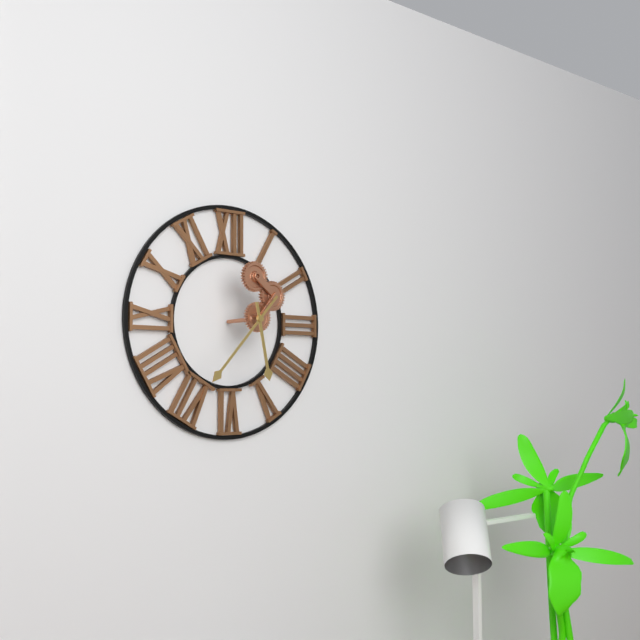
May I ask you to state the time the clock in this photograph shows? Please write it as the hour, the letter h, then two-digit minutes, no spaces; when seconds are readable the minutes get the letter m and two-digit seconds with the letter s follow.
5h37
